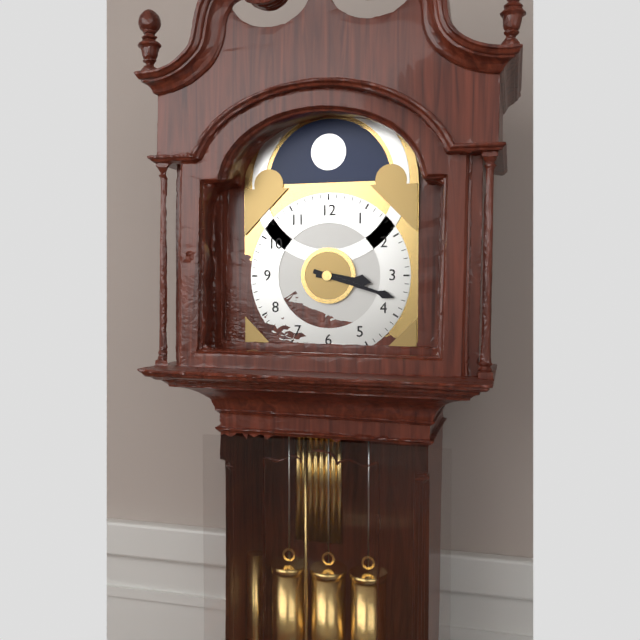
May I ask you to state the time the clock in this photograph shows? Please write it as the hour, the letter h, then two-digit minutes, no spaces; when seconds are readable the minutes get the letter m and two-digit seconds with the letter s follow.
3h18
